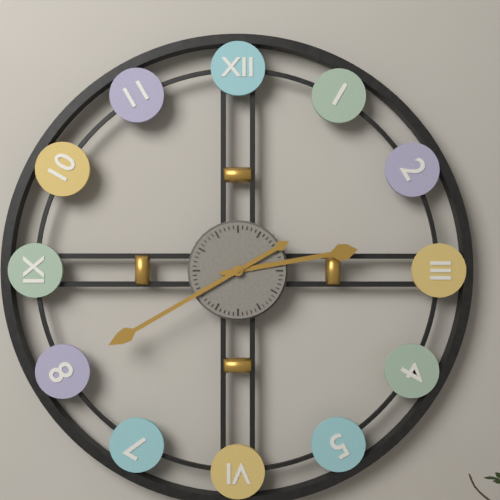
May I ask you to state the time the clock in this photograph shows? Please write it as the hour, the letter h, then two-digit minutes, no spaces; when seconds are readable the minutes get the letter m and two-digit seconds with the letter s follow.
2h40
